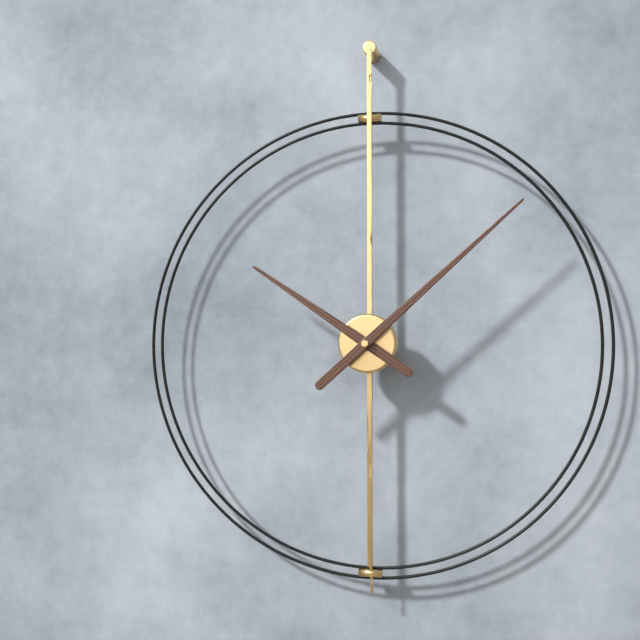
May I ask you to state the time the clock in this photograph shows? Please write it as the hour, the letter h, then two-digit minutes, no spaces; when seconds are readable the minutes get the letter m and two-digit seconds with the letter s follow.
10h08
